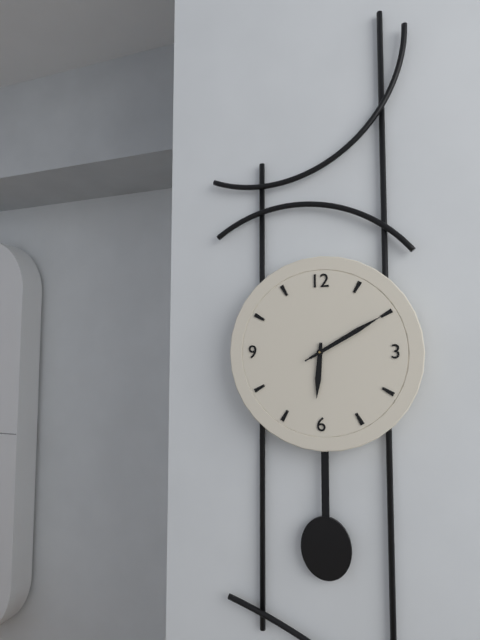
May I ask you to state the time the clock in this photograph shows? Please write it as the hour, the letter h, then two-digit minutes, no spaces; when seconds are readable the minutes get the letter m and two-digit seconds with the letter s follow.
6h10m10s
